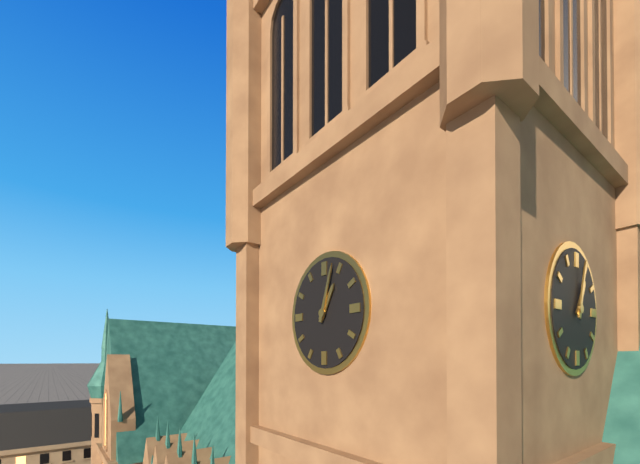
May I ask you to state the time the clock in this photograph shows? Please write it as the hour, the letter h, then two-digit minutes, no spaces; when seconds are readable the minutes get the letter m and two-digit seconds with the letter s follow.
1h03
